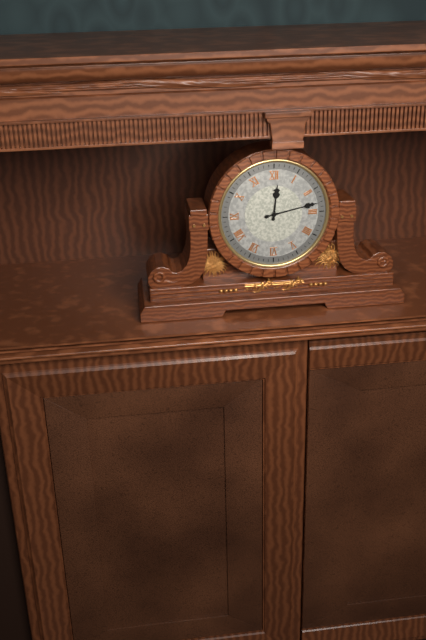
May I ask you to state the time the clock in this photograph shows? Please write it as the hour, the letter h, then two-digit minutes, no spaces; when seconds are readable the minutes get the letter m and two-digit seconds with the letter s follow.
12h13
